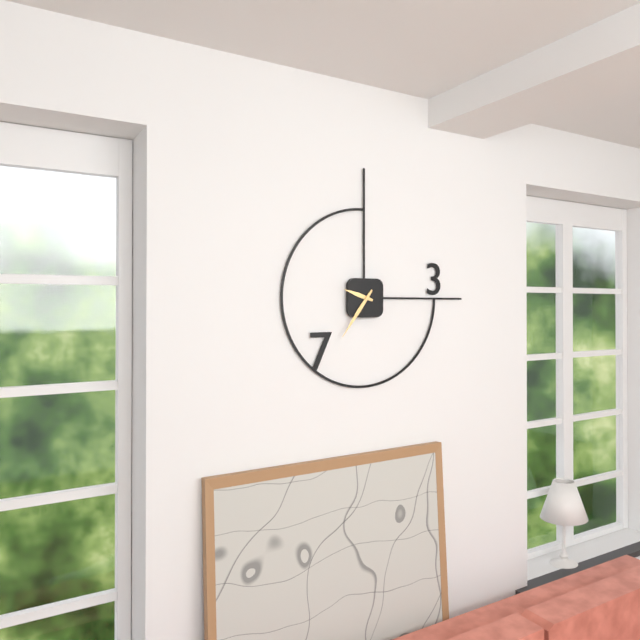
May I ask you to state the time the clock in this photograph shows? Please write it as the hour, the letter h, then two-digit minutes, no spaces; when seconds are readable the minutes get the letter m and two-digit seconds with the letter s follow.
9h36
